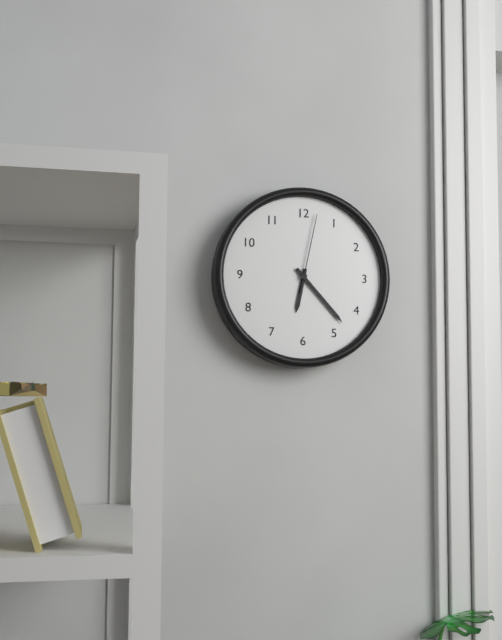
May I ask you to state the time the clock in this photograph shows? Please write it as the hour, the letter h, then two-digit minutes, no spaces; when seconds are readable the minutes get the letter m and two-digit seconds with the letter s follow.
6h23m02s
